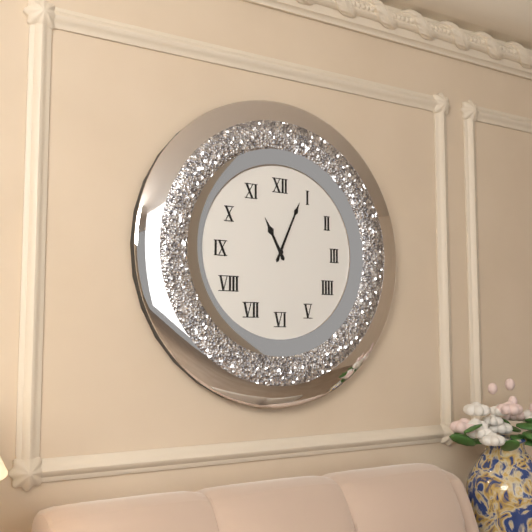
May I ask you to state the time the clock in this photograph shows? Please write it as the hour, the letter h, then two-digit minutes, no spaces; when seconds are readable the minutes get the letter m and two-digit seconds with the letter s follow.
11h04
